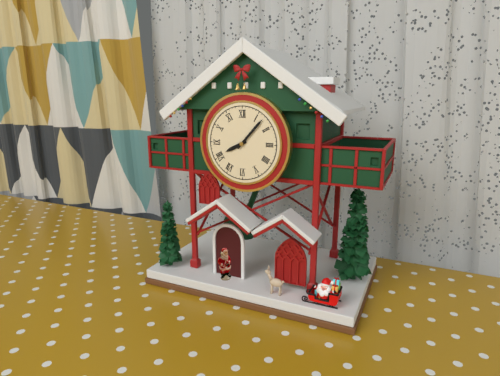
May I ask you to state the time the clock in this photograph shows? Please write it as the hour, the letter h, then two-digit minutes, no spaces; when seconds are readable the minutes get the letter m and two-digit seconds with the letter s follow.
8h07
